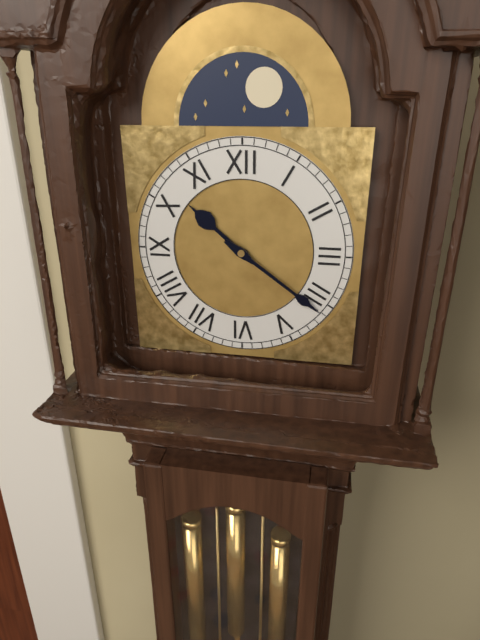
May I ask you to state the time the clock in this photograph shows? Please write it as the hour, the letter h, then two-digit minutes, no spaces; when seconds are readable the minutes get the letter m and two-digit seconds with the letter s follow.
10h21
